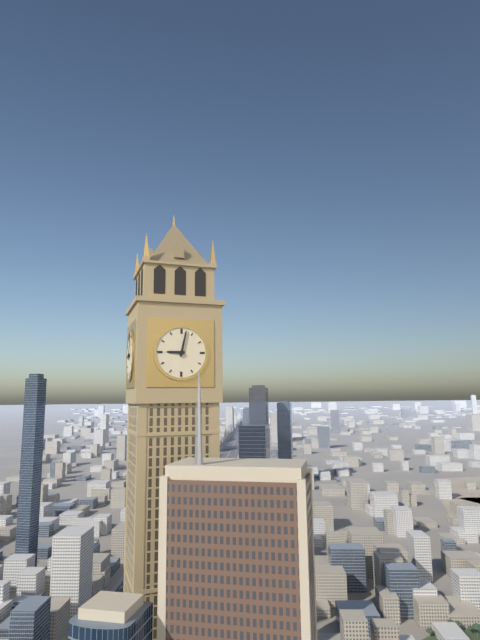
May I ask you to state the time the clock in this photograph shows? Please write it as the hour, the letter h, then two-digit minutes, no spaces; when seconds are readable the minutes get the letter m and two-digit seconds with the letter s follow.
9h02
